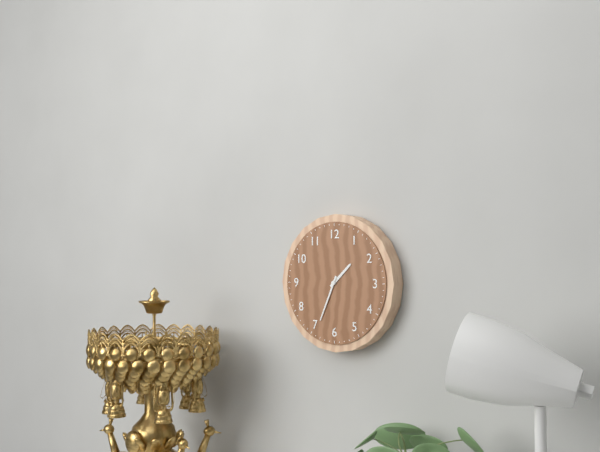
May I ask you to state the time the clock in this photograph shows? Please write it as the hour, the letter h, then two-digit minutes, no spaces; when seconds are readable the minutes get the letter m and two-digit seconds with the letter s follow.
1h34
